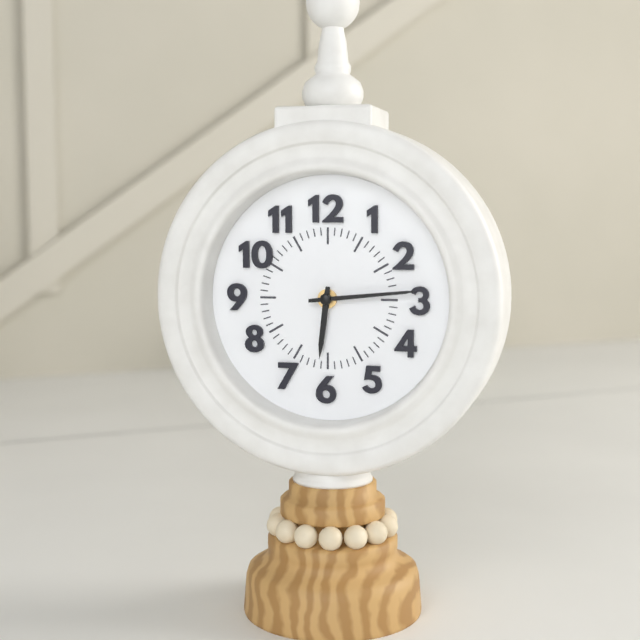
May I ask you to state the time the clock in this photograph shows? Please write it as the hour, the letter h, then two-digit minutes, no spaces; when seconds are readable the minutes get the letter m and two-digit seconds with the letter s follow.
6h14
